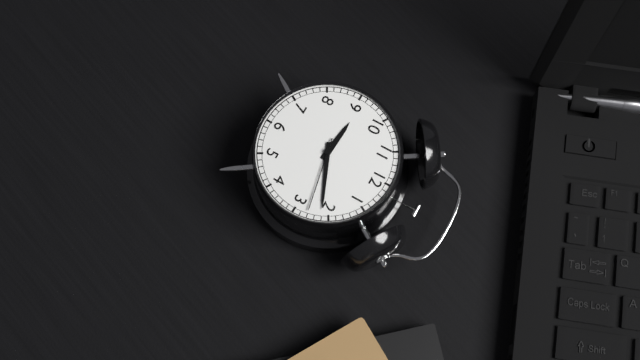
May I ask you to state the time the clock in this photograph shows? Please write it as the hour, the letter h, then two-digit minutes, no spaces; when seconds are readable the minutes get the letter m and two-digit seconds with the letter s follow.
9h11m13s
